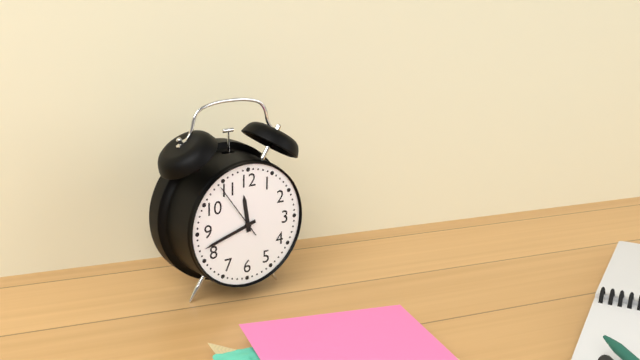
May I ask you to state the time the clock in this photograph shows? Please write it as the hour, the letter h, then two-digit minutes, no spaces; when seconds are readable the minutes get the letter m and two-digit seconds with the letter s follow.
11h42
